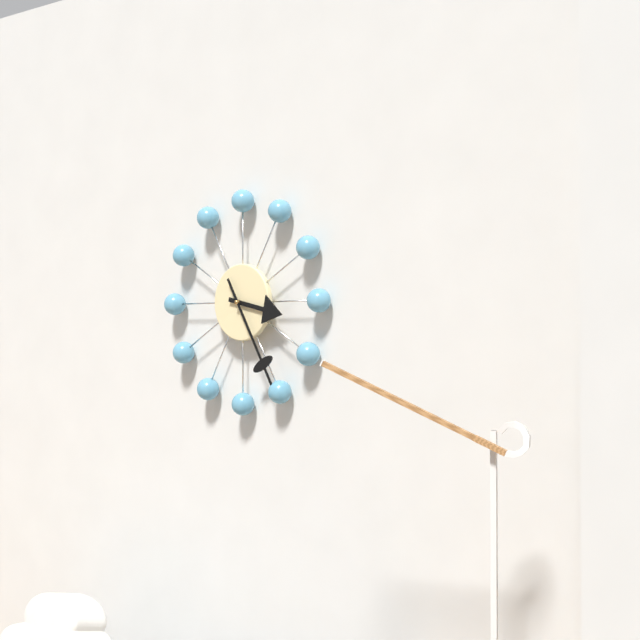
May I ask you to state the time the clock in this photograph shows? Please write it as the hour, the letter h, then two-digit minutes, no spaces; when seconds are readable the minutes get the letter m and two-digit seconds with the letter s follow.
3h25
